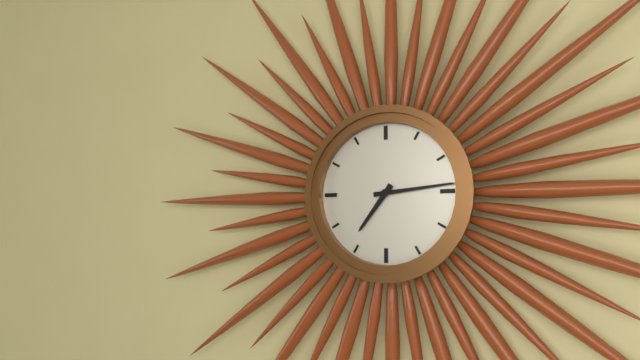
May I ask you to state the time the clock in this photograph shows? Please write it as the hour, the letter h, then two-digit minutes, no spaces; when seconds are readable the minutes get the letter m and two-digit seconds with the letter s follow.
7h14
